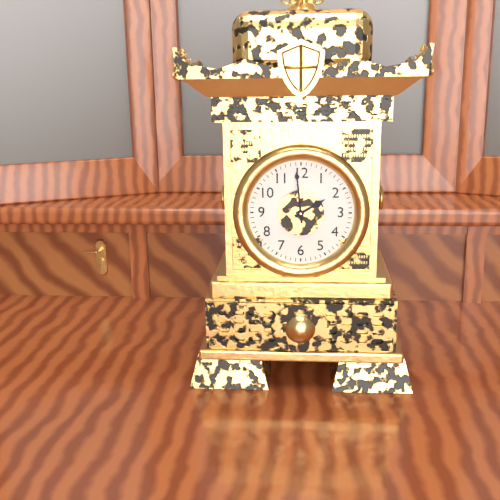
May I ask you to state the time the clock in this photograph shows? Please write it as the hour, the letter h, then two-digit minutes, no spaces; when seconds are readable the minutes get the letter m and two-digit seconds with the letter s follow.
1h59
